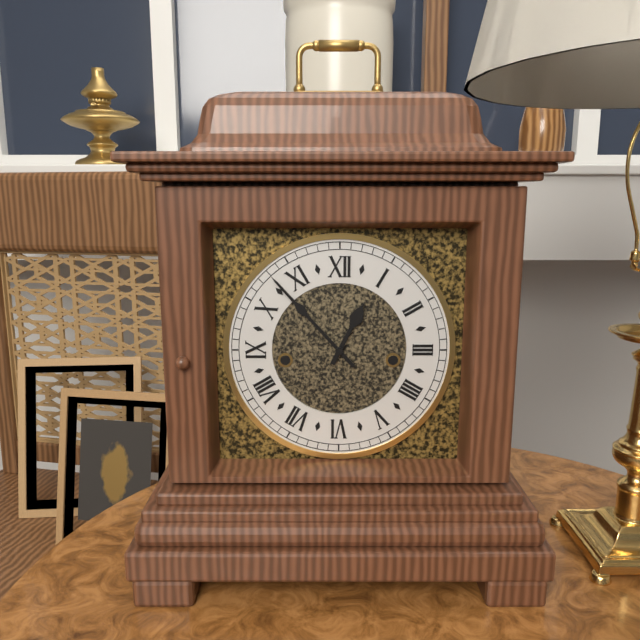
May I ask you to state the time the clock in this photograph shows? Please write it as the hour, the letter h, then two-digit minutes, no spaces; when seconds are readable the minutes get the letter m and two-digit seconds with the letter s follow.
12h53
